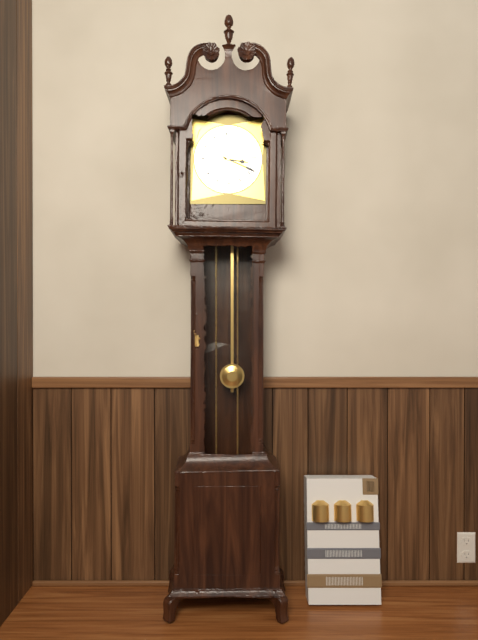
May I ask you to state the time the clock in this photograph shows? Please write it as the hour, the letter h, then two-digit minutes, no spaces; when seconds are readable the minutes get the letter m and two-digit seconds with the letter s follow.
3h19
